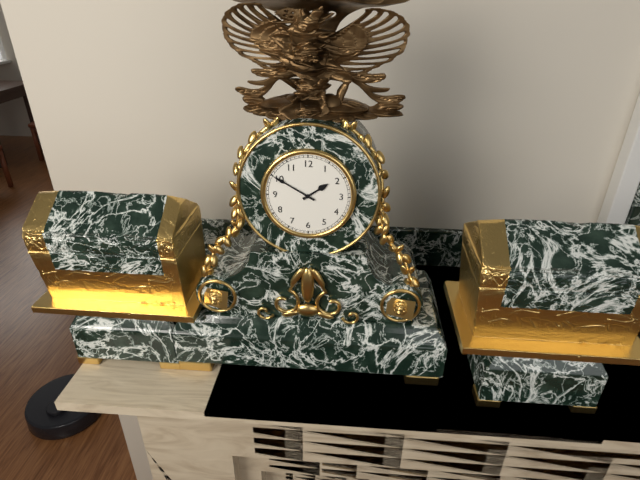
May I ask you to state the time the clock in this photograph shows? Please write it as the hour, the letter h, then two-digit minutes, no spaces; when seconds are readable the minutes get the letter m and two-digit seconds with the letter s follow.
1h50
